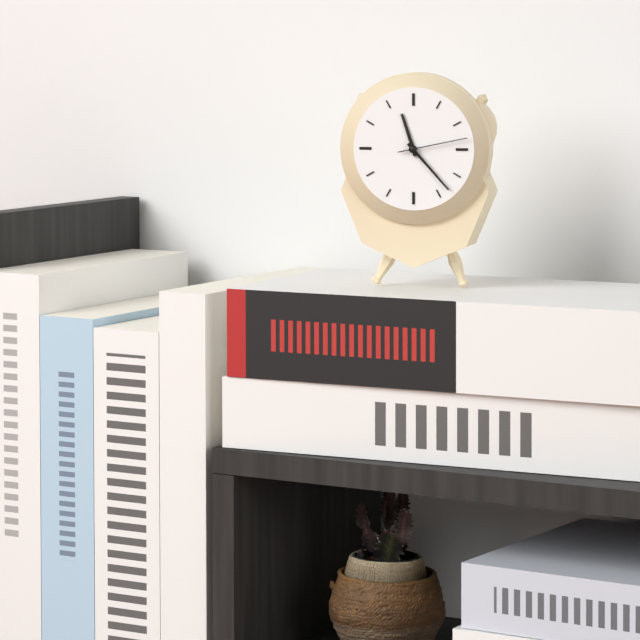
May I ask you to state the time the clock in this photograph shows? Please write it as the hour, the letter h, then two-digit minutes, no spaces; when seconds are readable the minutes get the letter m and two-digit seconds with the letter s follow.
11h23m13s
